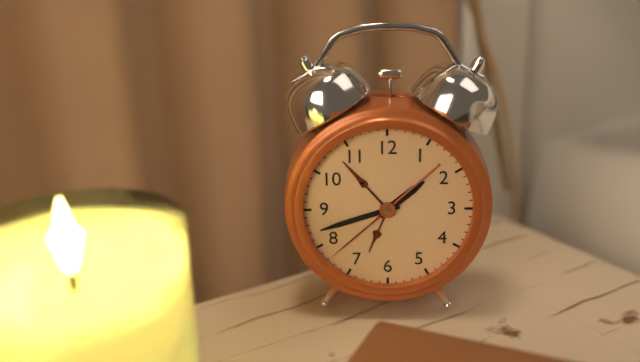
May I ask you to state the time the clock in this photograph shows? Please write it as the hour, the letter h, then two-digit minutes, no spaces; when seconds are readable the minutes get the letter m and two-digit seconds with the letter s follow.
1h42m38s
